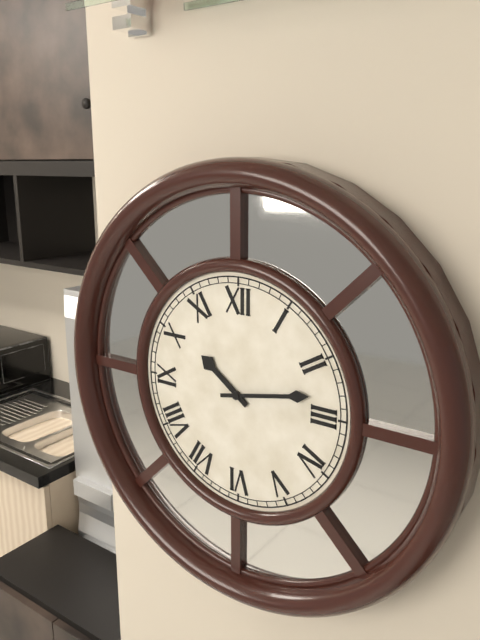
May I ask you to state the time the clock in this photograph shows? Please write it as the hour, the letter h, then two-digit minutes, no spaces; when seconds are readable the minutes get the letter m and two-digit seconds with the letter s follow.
10h13
